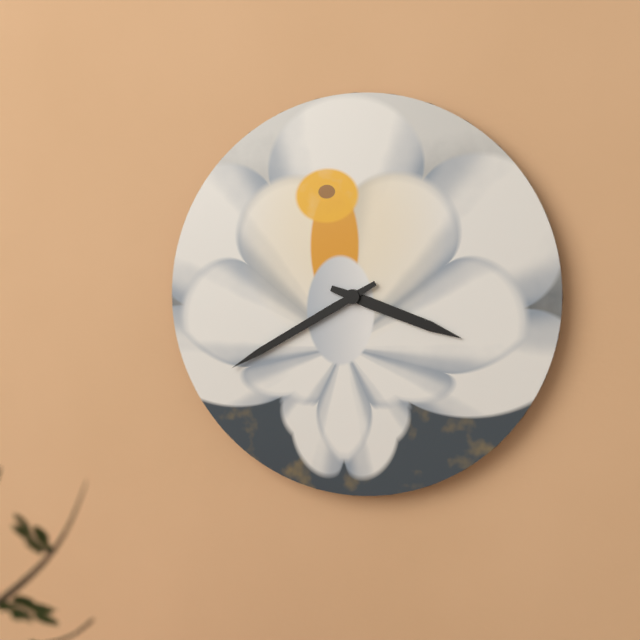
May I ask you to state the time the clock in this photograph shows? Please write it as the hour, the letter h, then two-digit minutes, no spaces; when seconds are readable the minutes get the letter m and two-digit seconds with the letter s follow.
3h40
